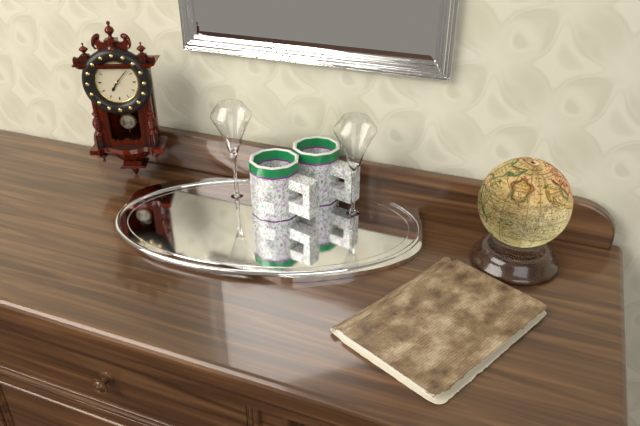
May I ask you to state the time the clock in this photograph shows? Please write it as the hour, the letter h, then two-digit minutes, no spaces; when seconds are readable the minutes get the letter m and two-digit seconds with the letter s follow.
7h07
